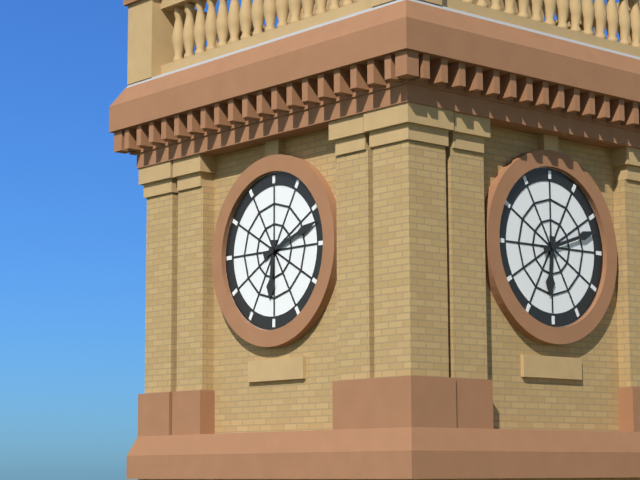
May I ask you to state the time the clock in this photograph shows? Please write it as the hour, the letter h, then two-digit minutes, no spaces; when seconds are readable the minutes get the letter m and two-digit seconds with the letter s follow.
6h12
